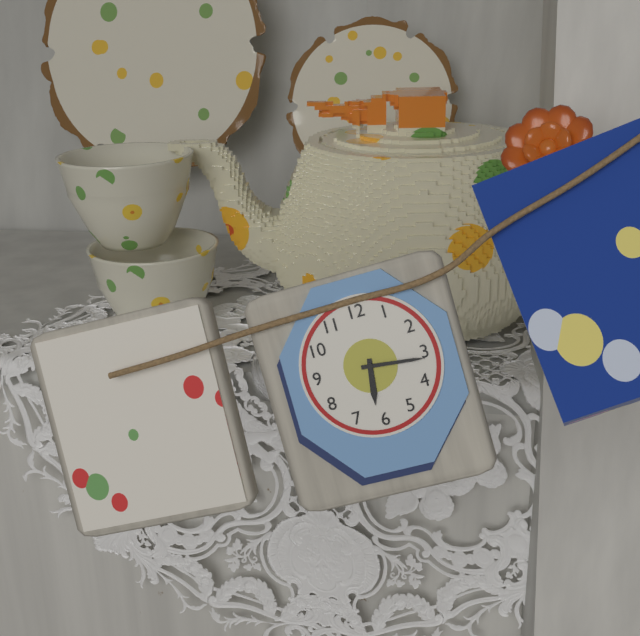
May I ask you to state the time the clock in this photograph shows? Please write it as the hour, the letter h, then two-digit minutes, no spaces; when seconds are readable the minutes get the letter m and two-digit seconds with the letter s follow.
6h16
